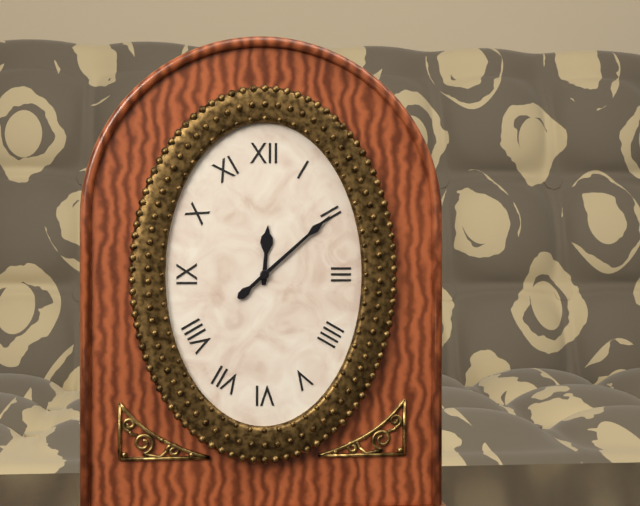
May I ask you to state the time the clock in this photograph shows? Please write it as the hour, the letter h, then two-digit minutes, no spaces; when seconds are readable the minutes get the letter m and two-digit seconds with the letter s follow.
12h08
